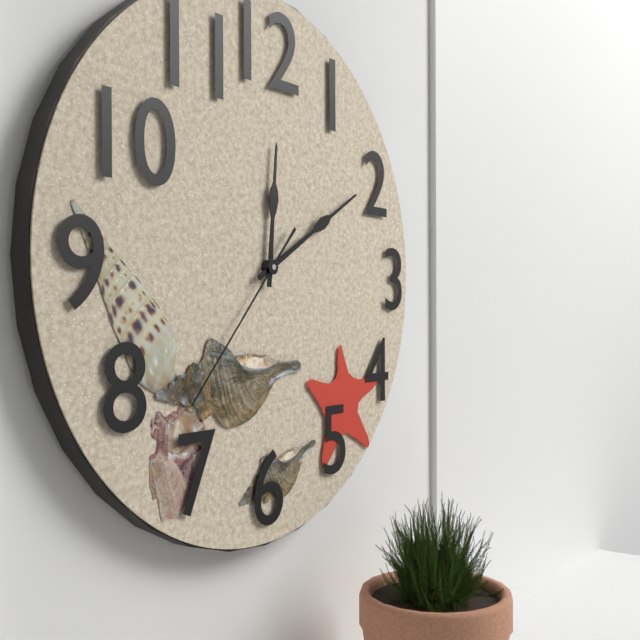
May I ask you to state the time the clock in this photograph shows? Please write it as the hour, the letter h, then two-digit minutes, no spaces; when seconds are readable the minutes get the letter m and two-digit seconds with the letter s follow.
12h10m37s
